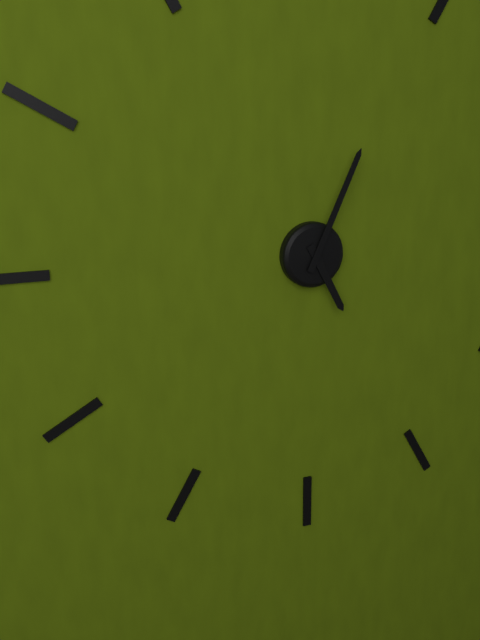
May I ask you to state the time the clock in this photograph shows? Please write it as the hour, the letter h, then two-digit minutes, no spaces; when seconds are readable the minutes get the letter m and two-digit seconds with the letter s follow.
5h04
